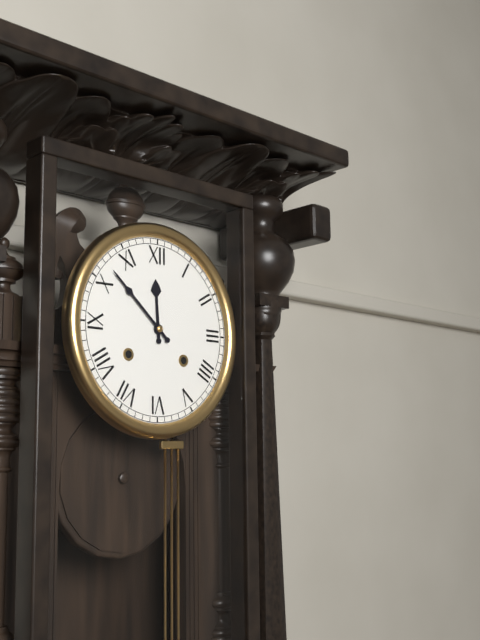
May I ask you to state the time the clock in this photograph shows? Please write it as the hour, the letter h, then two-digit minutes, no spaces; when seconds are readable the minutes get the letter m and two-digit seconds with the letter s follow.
11h52
